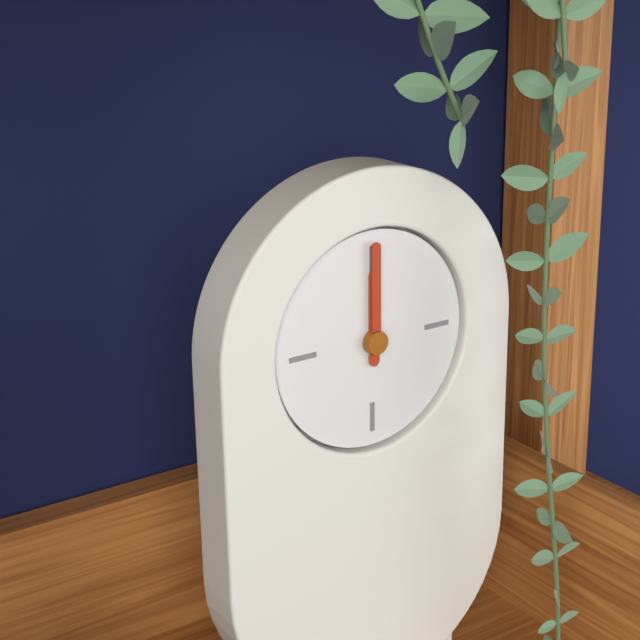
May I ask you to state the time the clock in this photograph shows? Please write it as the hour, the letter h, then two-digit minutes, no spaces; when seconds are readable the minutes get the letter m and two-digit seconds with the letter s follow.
12h00
